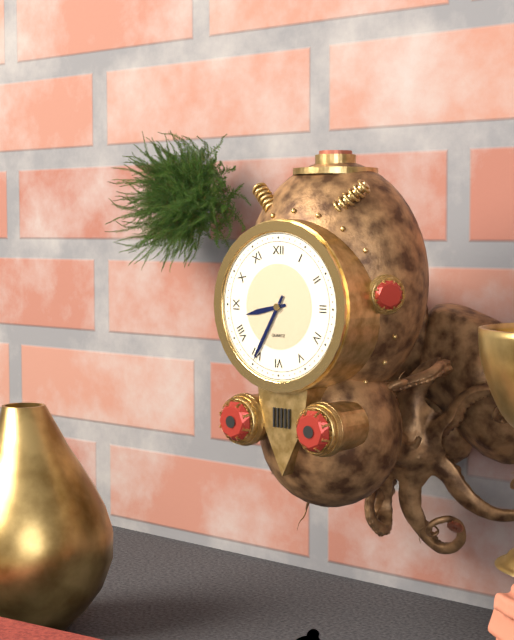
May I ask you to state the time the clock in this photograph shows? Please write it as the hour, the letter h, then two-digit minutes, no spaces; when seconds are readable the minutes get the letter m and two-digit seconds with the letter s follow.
8h35
